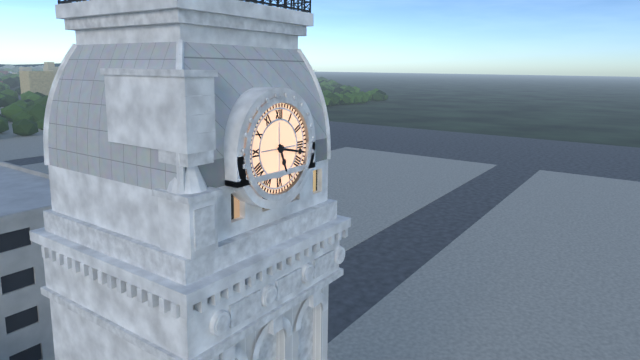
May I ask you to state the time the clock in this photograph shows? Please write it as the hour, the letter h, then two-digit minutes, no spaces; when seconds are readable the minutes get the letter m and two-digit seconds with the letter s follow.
5h17
